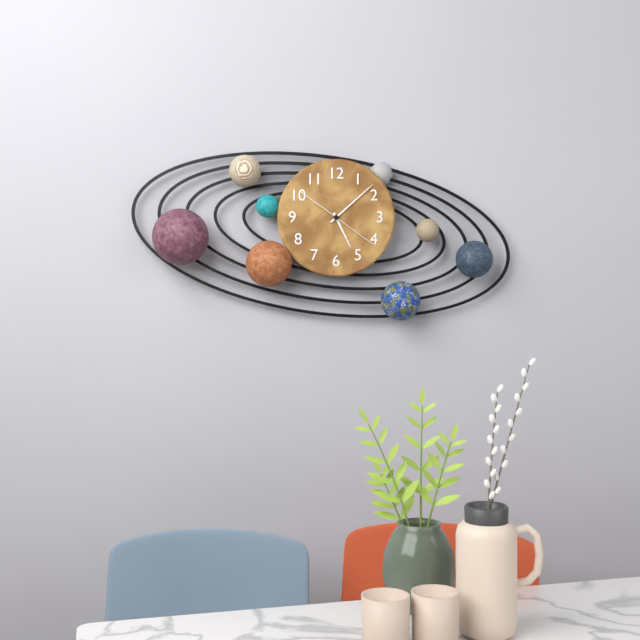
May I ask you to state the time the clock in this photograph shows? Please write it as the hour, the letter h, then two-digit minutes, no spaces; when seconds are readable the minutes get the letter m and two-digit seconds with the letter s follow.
5h08m21s
